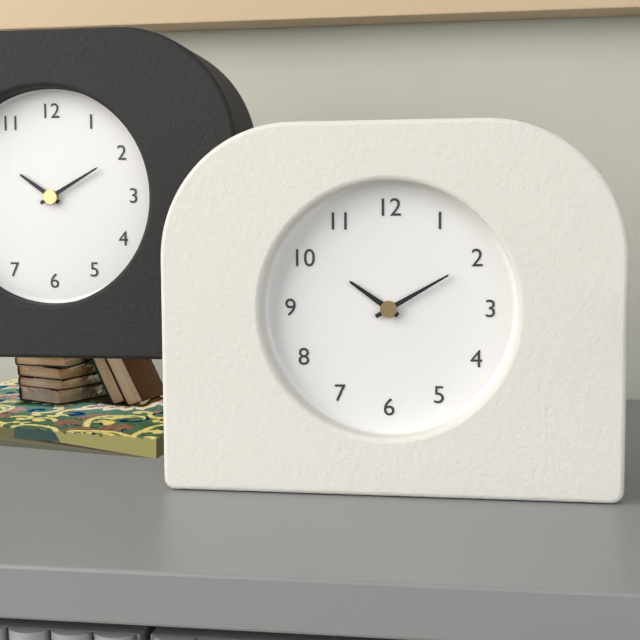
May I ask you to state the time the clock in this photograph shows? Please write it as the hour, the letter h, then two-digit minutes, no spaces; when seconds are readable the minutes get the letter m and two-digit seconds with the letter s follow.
10h10
